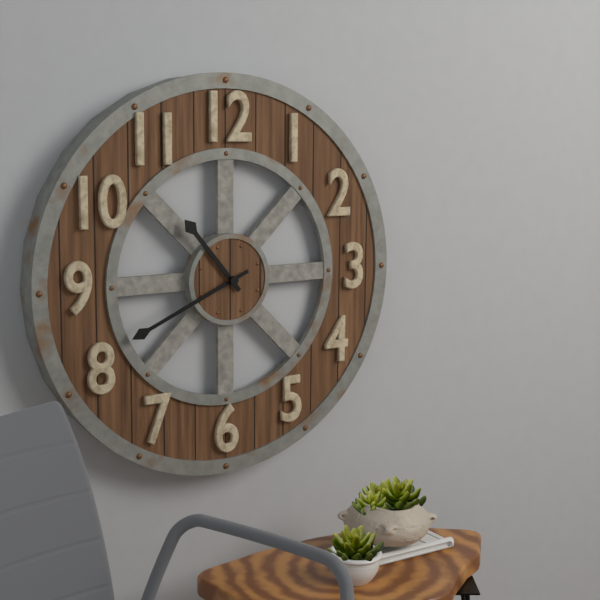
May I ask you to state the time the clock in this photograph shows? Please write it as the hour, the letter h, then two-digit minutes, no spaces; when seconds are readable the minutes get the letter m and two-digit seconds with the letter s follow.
10h41
